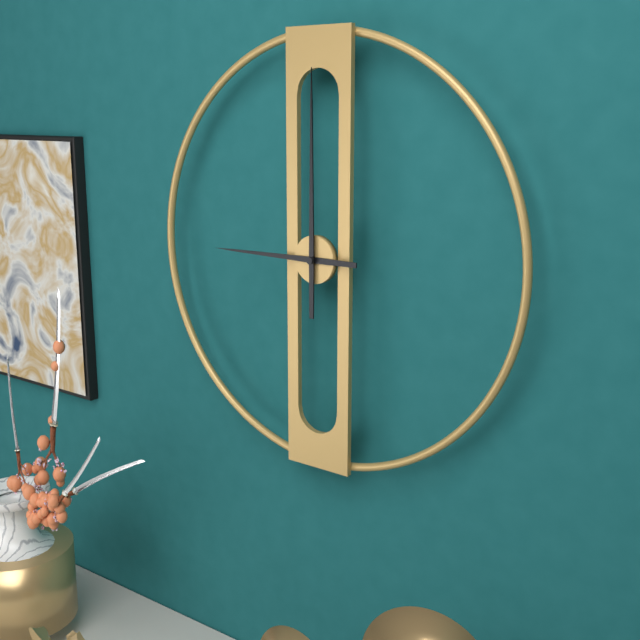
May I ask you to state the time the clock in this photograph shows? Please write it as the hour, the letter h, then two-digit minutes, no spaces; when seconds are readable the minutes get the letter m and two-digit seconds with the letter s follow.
9h00
